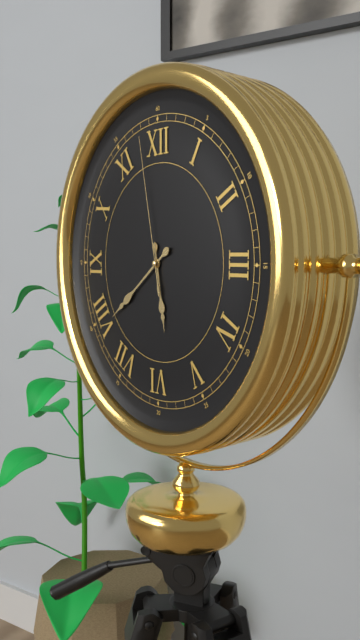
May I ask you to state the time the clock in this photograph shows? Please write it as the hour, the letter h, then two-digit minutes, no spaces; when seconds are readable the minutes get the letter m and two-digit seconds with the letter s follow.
5h39m58s
